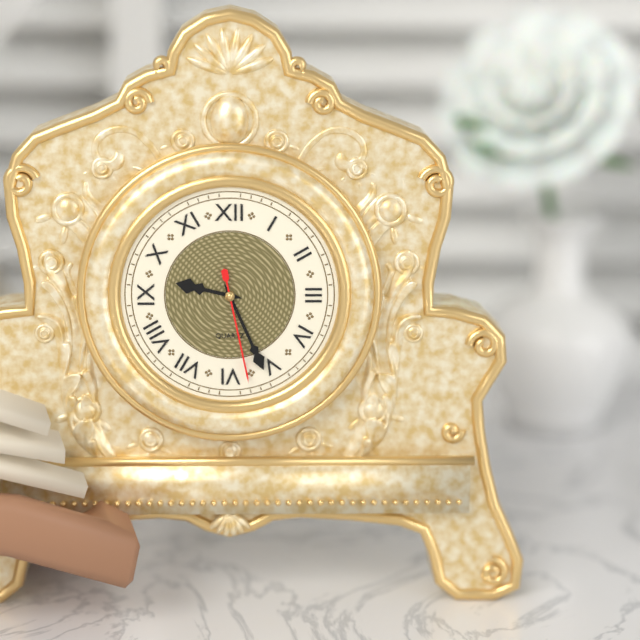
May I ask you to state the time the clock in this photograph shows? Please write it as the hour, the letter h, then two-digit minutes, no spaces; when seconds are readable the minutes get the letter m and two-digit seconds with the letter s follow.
9h26m28s
